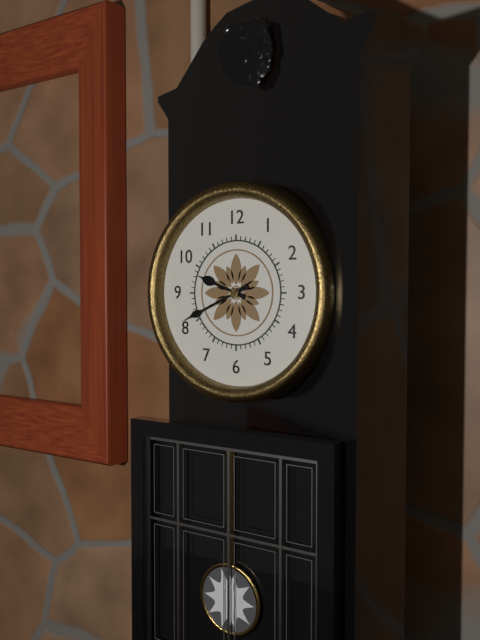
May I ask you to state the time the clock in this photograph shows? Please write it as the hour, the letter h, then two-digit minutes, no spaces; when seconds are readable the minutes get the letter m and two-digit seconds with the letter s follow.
9h41
